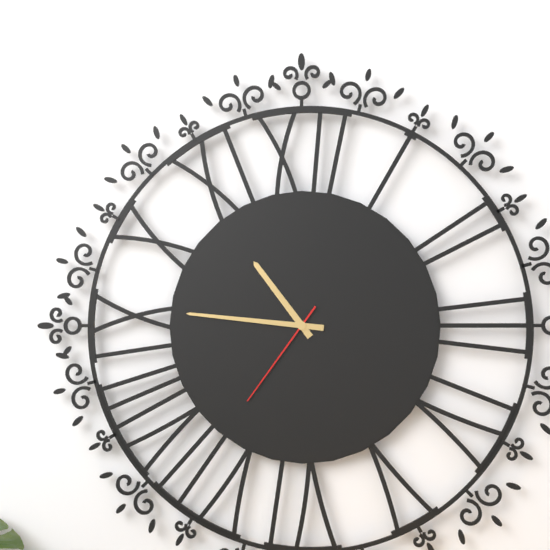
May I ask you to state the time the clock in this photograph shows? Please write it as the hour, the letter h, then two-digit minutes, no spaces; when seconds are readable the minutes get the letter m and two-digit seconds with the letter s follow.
10h46m36s
